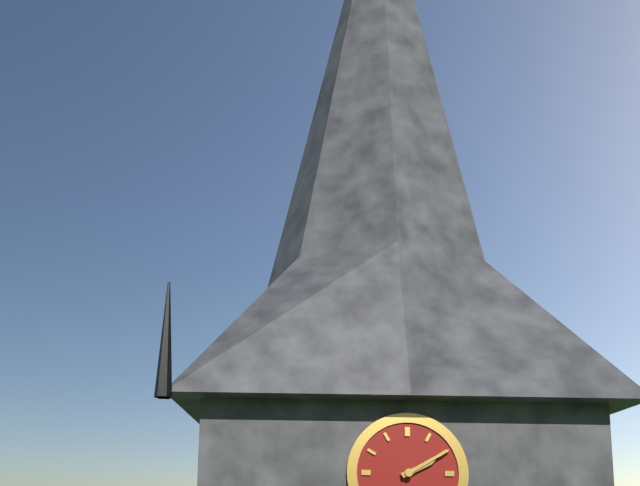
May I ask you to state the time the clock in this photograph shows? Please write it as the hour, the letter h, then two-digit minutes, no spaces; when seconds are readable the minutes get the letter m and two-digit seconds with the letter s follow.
2h10
